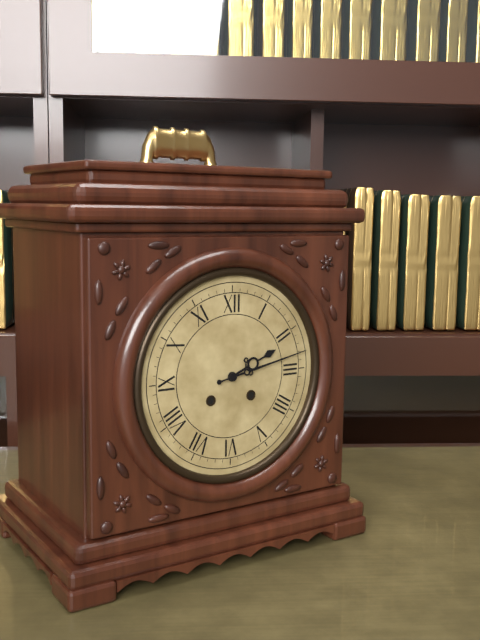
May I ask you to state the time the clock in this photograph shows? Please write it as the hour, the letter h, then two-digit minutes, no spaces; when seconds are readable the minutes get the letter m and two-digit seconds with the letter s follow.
2h13
